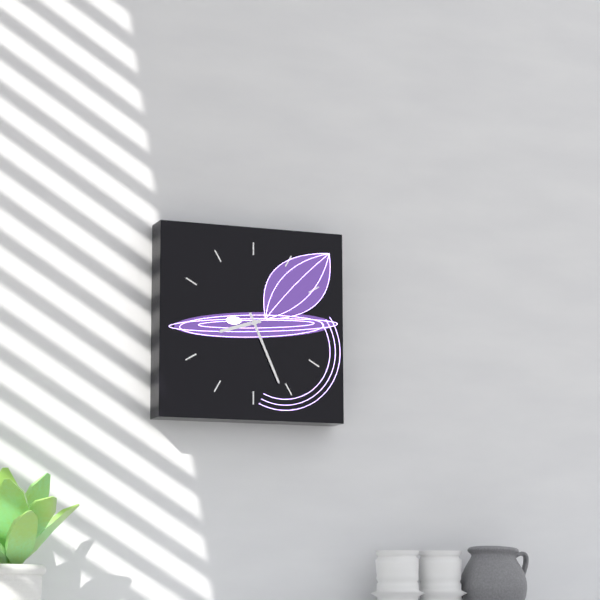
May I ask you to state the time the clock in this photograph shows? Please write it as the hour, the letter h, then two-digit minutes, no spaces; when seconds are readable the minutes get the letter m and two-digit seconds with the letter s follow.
8h26
